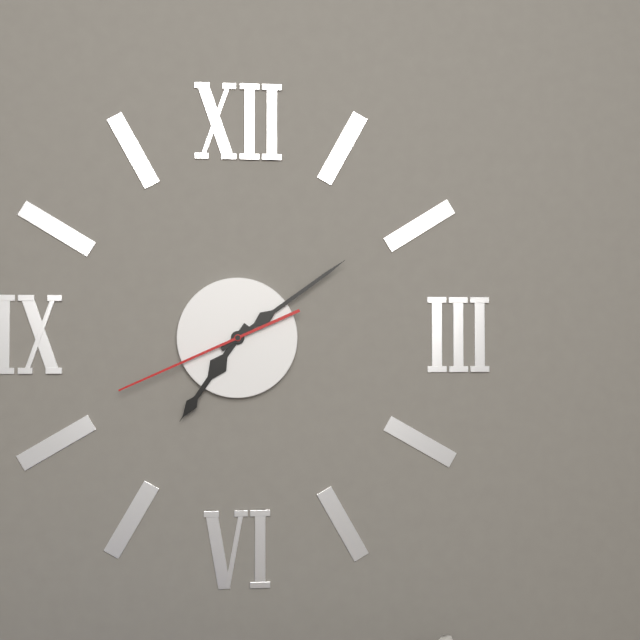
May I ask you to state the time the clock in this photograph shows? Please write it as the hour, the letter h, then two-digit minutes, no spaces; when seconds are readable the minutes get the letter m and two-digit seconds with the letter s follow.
7h09m41s
